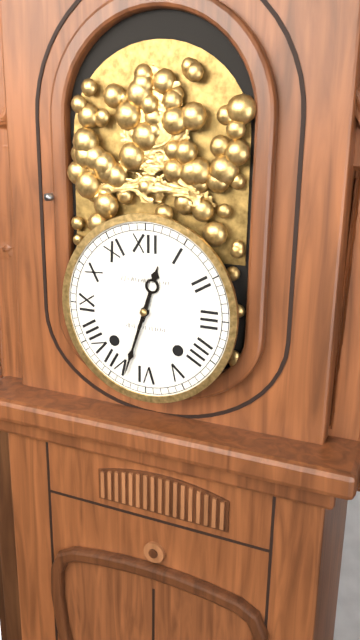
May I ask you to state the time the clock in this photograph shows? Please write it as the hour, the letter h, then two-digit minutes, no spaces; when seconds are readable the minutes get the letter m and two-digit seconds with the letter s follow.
12h33
